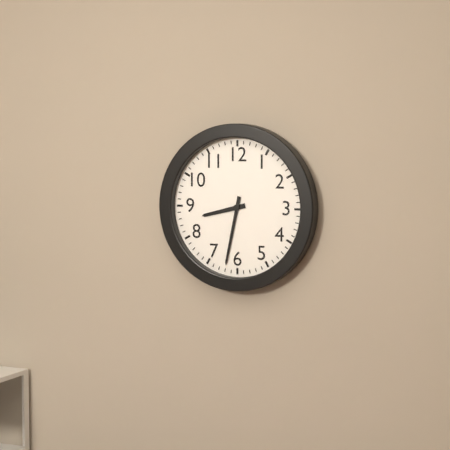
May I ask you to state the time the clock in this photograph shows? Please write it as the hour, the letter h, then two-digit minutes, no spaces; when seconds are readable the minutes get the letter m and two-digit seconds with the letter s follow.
8h32
